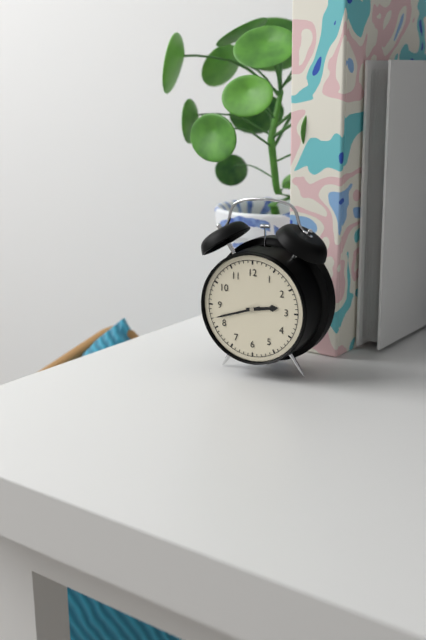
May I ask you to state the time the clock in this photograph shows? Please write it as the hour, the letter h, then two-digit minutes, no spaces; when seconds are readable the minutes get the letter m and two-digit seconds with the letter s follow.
2h42
